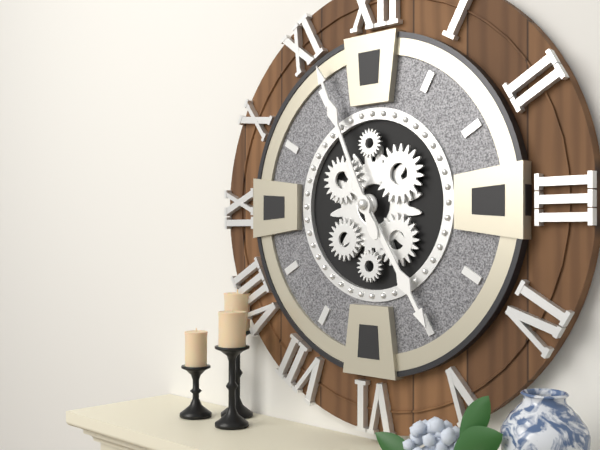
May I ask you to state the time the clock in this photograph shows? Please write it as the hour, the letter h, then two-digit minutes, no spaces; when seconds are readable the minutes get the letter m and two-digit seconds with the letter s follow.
4h56
